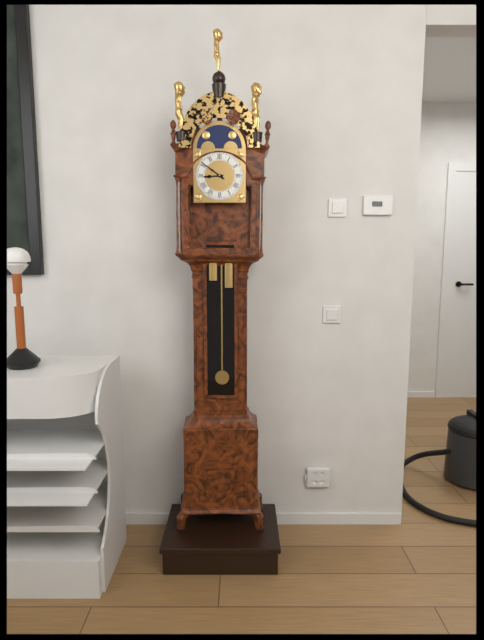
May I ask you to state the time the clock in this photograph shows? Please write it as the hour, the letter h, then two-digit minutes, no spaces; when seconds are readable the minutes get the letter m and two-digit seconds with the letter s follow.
8h51
